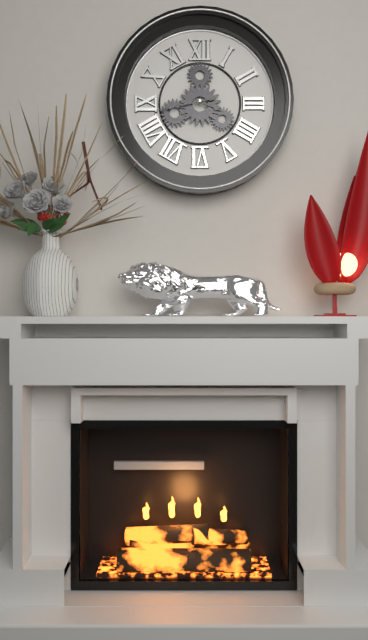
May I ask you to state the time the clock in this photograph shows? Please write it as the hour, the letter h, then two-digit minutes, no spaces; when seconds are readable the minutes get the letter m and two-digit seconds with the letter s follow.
3h43
